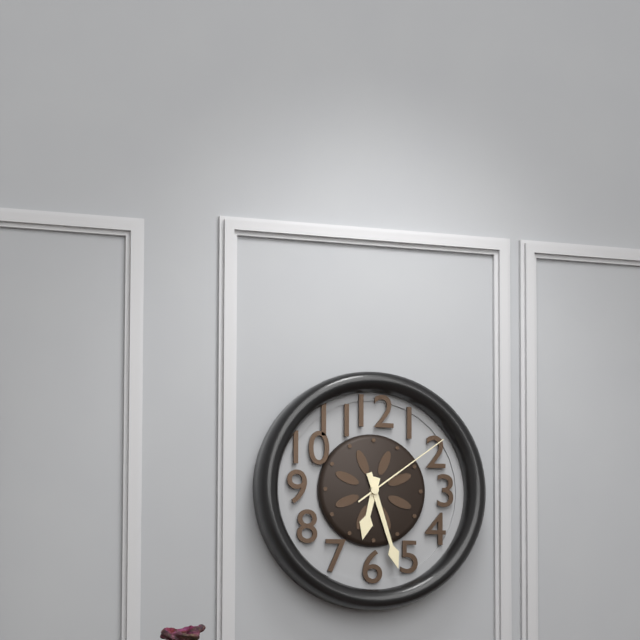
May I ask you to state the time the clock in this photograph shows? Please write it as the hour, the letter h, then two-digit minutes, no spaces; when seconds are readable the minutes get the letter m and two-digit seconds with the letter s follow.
6h27m09s
